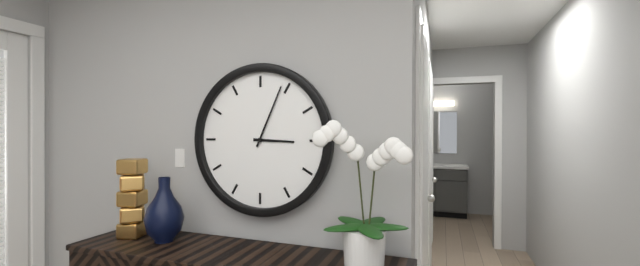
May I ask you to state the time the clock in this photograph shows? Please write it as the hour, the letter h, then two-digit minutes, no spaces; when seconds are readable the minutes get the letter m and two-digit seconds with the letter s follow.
3h04
